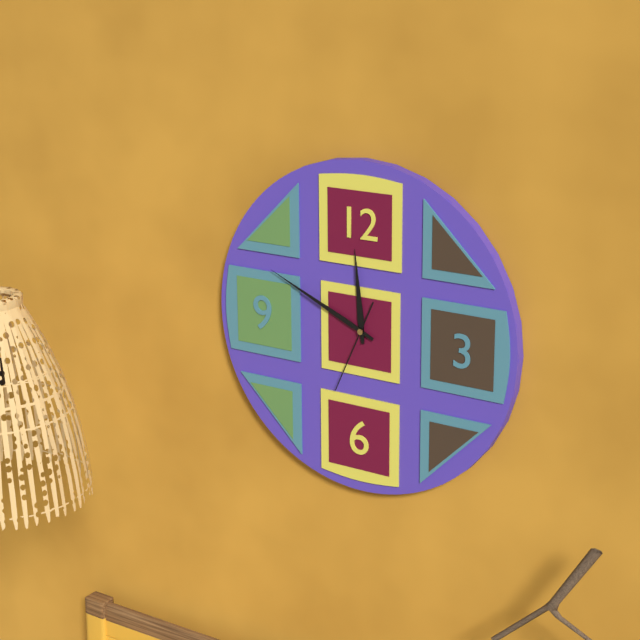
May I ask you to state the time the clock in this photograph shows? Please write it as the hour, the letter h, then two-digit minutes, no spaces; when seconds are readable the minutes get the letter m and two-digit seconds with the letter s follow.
11h49m34s
